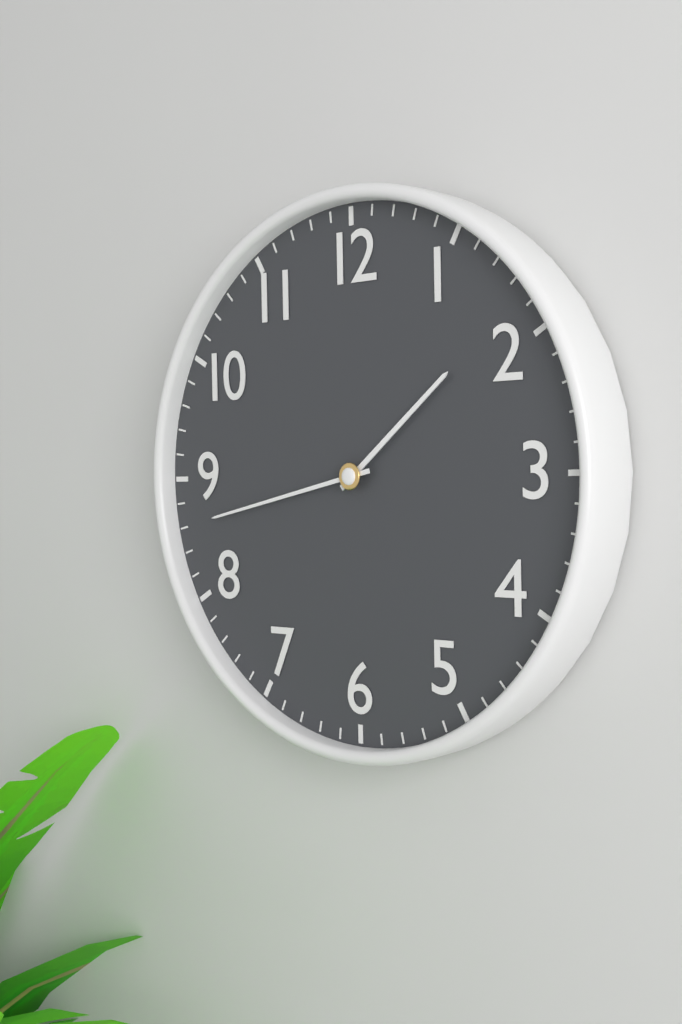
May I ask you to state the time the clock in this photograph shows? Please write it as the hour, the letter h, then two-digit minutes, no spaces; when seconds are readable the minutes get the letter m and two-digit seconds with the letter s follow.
1h43
